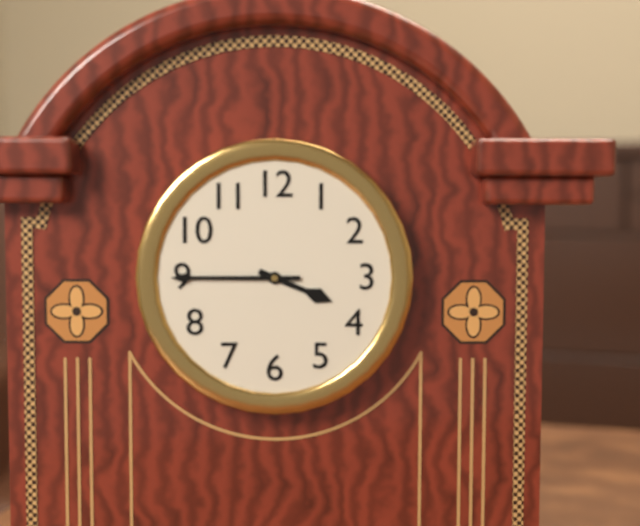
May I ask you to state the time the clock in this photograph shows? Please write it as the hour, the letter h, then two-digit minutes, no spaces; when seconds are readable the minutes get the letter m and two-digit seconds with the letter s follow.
3h45
